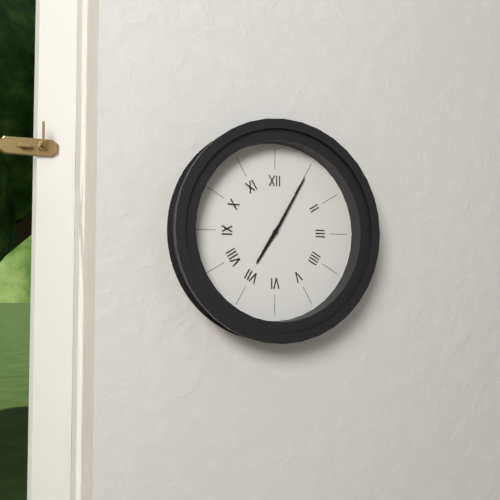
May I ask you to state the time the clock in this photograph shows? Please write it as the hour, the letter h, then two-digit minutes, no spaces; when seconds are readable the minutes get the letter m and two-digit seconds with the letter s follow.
7h05
